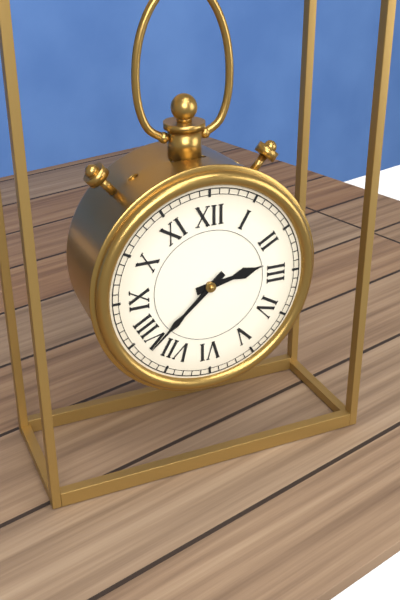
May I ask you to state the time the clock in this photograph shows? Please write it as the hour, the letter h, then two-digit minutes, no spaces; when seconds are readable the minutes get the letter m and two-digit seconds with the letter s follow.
2h38
